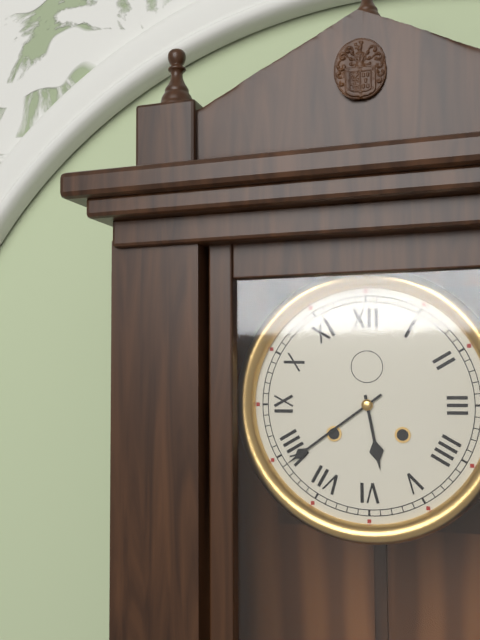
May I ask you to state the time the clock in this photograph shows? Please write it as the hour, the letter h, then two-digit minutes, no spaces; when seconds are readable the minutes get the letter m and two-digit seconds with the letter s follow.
5h39
